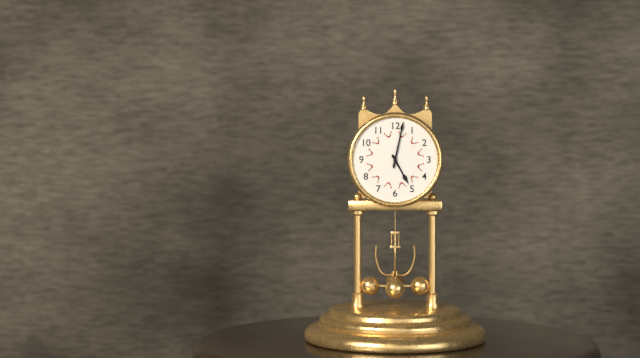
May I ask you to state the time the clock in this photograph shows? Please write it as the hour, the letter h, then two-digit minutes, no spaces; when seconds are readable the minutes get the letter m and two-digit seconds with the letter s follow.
5h02
